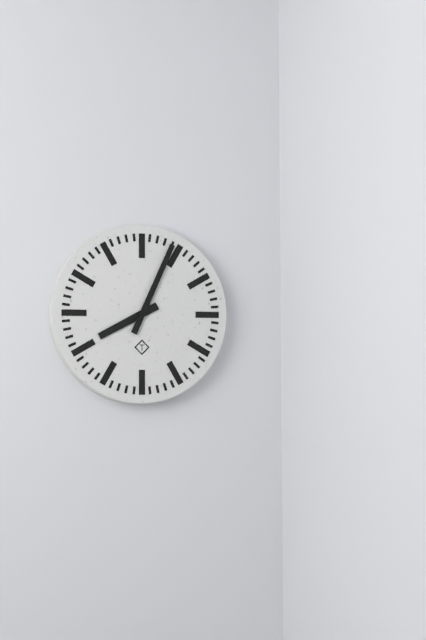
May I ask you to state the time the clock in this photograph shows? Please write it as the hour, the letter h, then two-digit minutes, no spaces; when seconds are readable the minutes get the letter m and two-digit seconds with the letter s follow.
8h04
